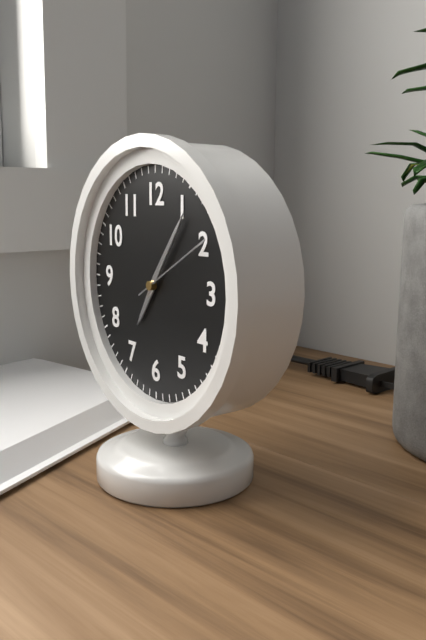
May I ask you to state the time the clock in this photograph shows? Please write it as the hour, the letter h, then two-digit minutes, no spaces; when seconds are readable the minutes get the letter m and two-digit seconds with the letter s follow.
7h06m10s
